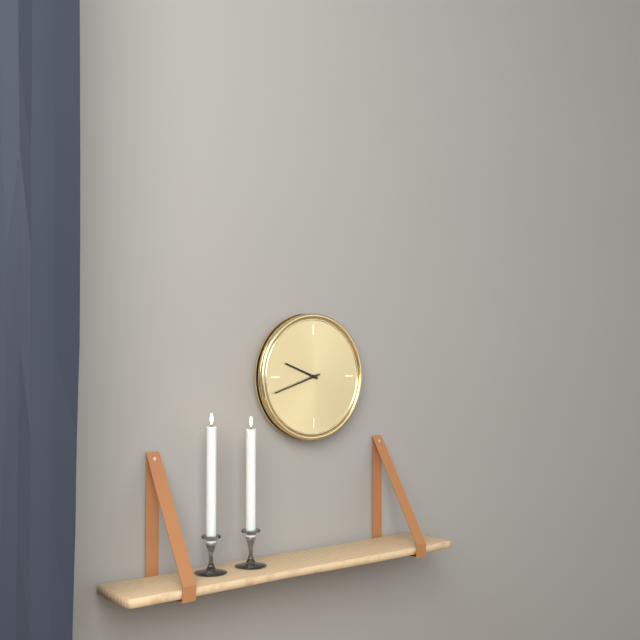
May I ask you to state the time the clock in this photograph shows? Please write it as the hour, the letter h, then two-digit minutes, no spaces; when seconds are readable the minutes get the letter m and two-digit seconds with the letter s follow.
9h42
